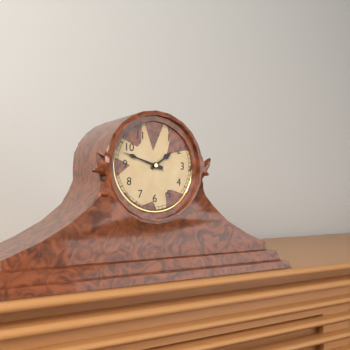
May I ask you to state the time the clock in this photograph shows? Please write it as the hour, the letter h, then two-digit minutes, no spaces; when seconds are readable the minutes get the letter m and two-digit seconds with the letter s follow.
1h48
